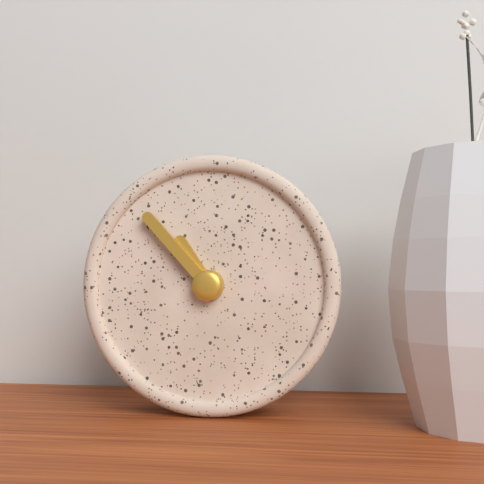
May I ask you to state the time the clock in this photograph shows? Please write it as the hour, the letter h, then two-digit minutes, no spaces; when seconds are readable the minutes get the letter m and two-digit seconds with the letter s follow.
10h53
